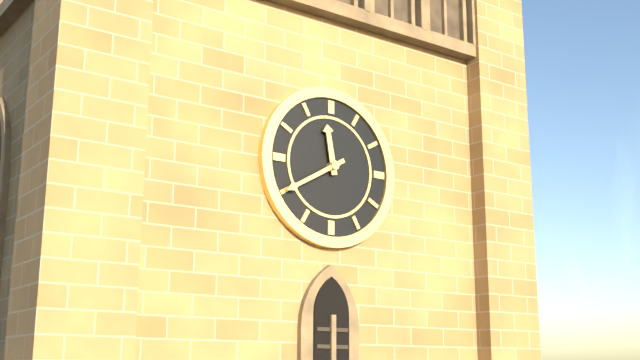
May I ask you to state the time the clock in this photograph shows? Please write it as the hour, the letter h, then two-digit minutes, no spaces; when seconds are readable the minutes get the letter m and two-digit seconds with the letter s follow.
11h40
